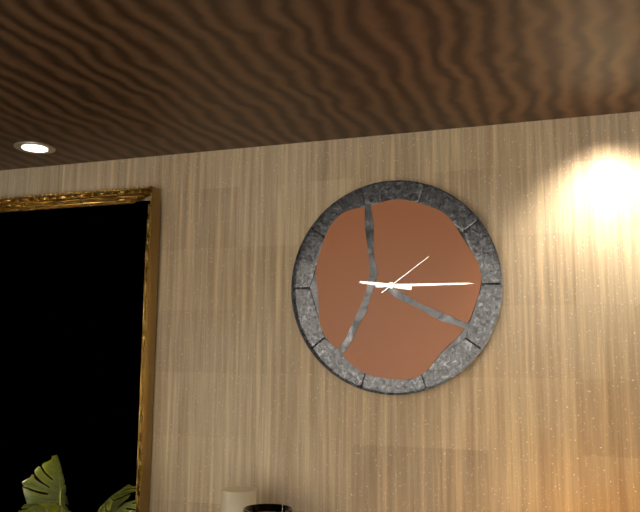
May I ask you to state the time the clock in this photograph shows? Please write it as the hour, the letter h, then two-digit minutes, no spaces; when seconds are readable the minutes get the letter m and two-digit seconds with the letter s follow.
9h15m09s
